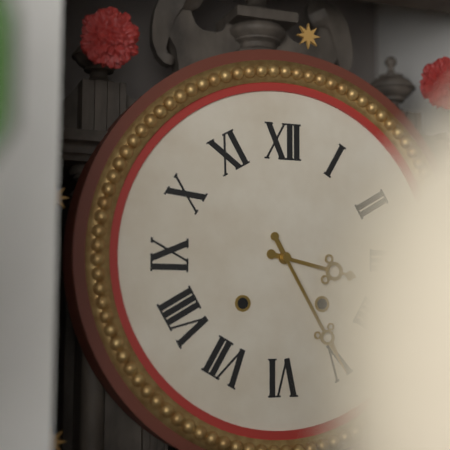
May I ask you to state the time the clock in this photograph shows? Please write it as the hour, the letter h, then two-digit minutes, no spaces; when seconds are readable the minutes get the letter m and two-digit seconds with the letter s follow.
3h25
